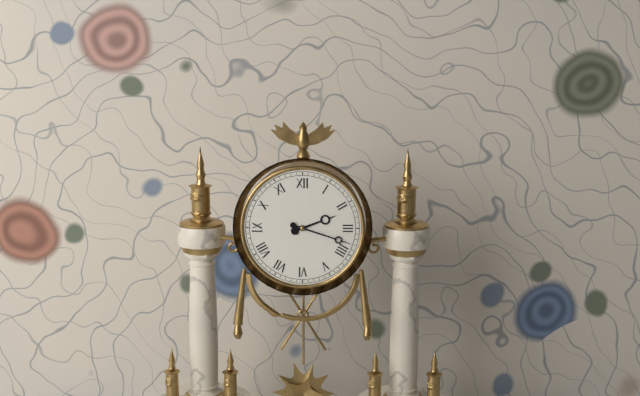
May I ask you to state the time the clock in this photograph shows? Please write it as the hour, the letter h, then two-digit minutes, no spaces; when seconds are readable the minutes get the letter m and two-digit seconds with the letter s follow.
2h18
